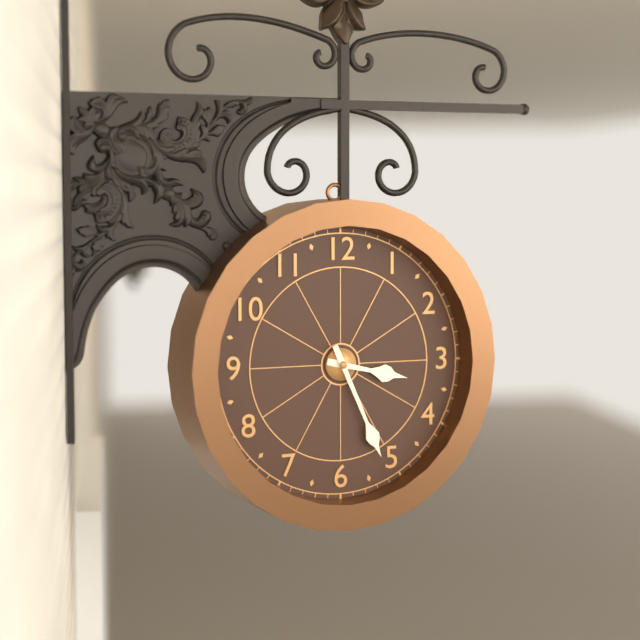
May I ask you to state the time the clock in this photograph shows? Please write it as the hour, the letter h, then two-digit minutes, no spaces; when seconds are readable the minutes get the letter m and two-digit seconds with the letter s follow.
3h26
